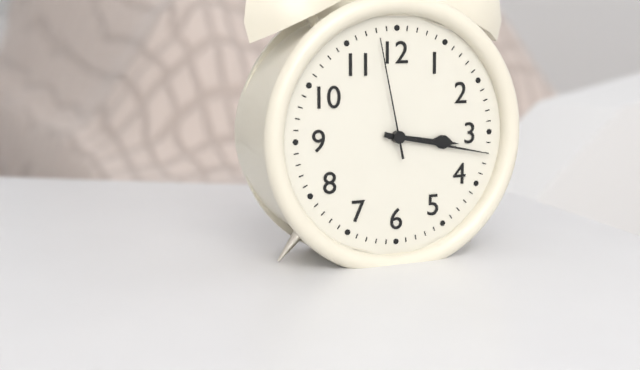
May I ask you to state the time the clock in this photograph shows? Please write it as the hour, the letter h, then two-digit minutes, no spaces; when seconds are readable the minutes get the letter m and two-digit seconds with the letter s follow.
3h17m58s
